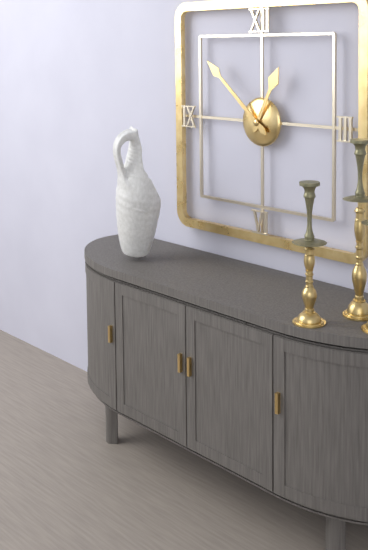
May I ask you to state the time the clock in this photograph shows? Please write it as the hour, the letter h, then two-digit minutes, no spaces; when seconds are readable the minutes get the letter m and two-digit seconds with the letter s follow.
12h52
